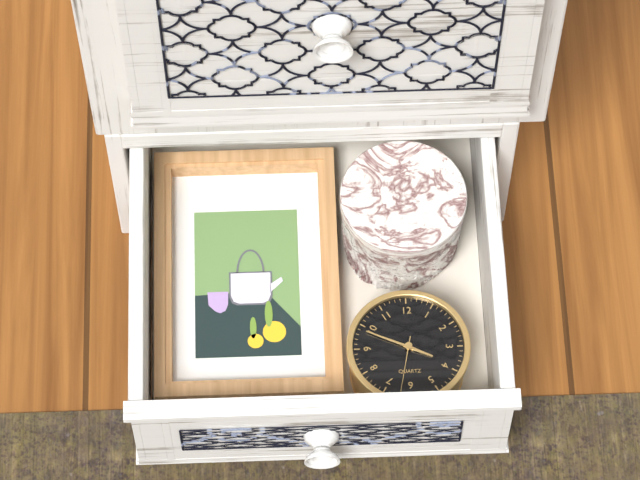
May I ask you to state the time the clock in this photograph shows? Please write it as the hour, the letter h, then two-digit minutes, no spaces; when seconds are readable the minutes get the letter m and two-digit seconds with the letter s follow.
3h49m32s
